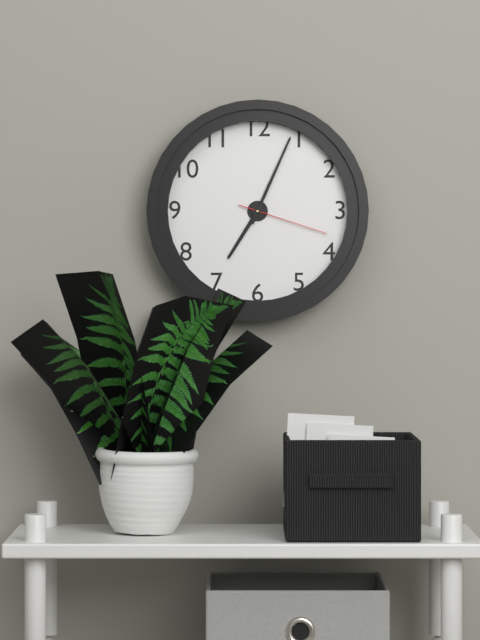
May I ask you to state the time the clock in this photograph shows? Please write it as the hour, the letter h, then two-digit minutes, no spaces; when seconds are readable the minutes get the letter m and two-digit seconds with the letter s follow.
7h04m18s
